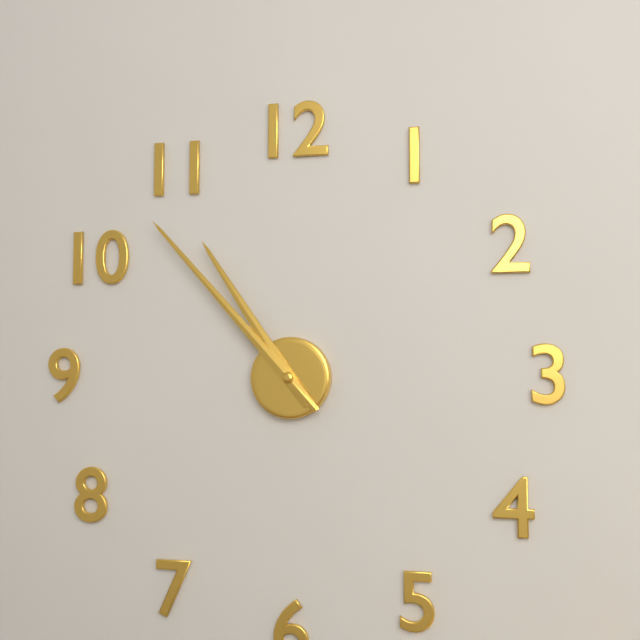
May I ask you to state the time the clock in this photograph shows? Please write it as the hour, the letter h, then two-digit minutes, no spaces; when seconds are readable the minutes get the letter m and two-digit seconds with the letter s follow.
10h53
